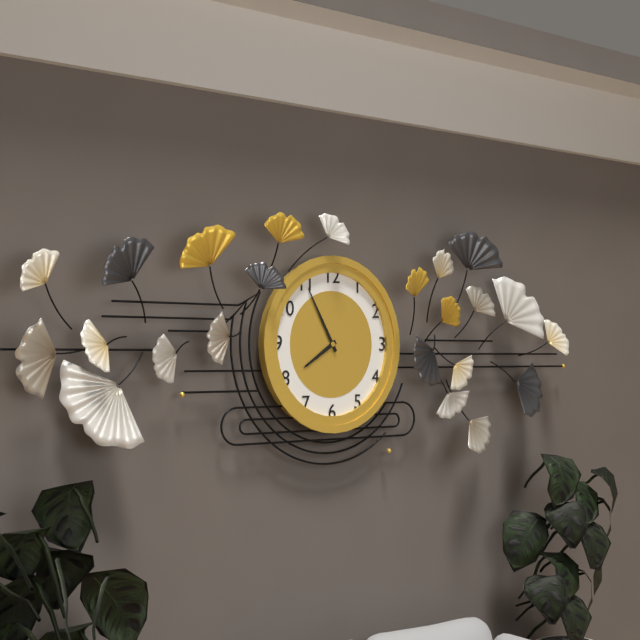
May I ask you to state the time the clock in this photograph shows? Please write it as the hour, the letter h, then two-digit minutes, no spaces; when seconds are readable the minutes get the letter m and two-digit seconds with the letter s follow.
7h55
